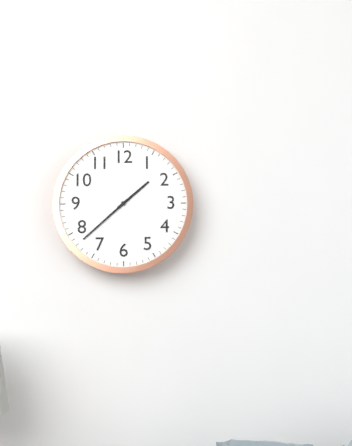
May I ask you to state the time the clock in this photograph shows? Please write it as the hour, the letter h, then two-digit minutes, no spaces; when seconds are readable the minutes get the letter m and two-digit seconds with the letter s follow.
1h38
